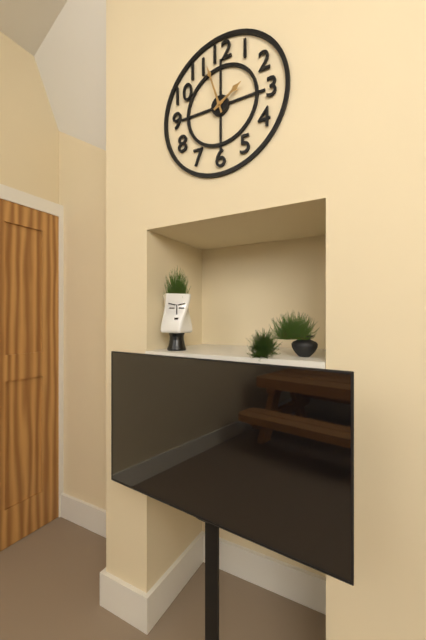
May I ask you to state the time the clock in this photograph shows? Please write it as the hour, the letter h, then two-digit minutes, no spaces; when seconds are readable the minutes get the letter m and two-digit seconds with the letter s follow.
1h57
